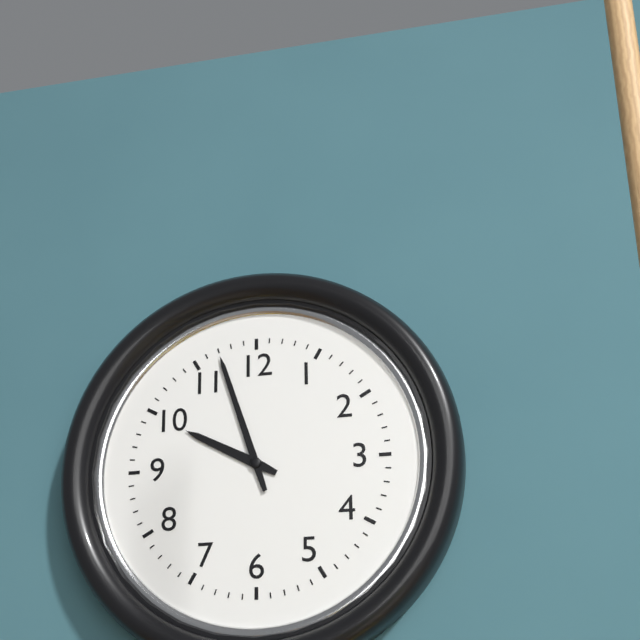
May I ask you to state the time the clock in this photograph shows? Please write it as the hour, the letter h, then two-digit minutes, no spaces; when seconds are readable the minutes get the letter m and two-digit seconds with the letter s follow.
9h57
